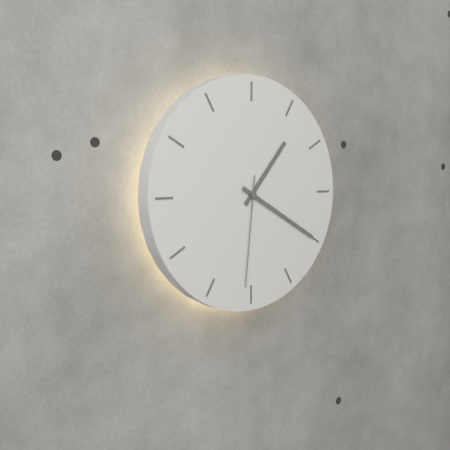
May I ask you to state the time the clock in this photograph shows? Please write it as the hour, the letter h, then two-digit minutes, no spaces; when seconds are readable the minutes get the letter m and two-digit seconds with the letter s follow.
1h20m31s
